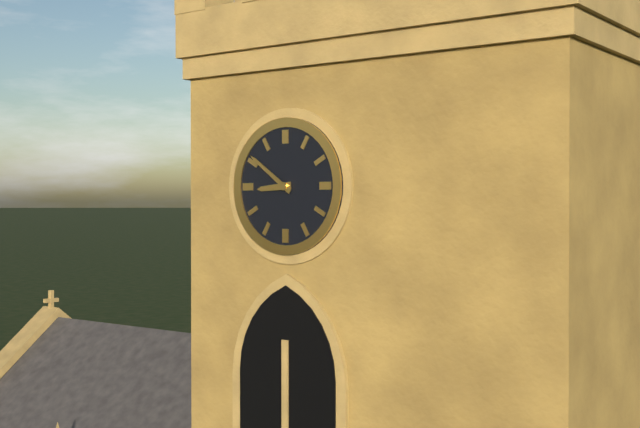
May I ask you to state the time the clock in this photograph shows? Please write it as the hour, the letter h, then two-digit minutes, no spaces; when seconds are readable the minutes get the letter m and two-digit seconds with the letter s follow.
8h51
